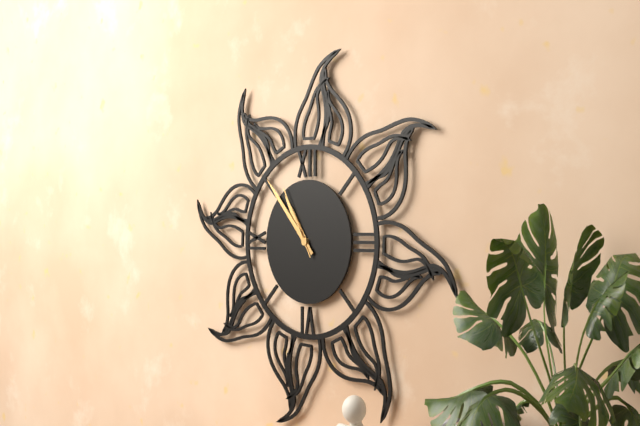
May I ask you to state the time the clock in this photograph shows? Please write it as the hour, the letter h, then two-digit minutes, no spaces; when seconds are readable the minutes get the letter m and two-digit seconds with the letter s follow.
10h53m55s
